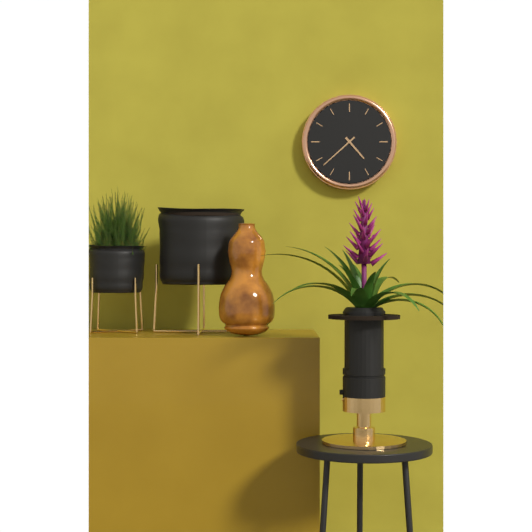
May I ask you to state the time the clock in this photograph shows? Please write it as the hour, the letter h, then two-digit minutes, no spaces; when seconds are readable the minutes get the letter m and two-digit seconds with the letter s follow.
4h38
